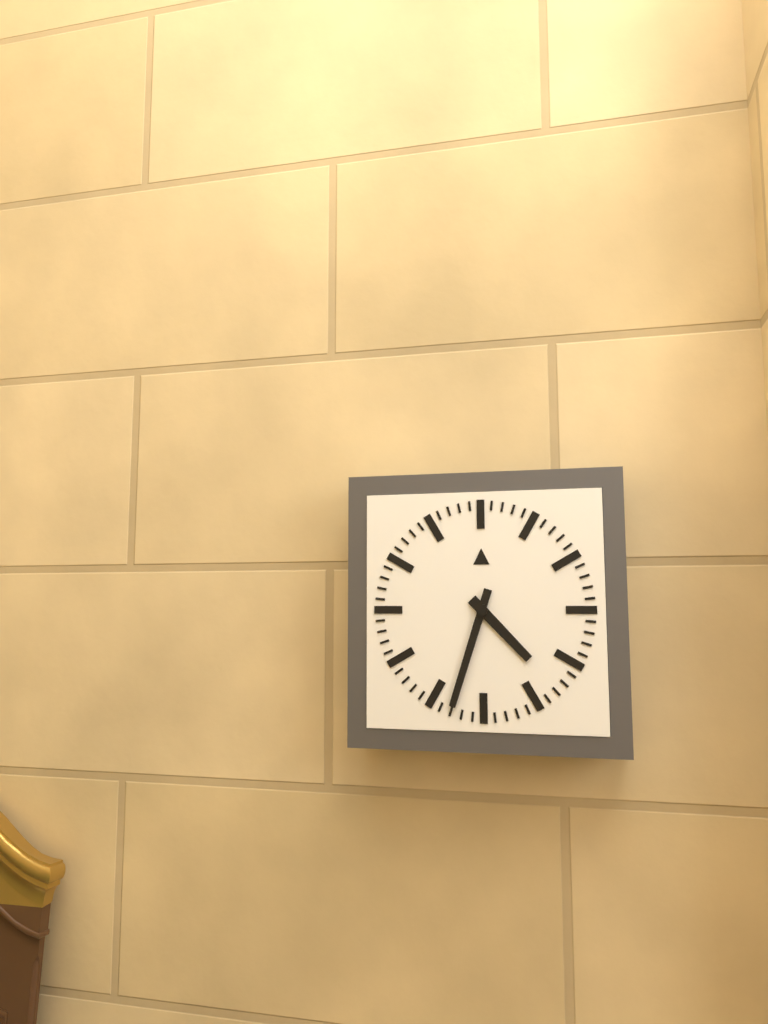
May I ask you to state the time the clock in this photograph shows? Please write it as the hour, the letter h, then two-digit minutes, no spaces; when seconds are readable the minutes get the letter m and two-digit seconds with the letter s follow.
4h33
